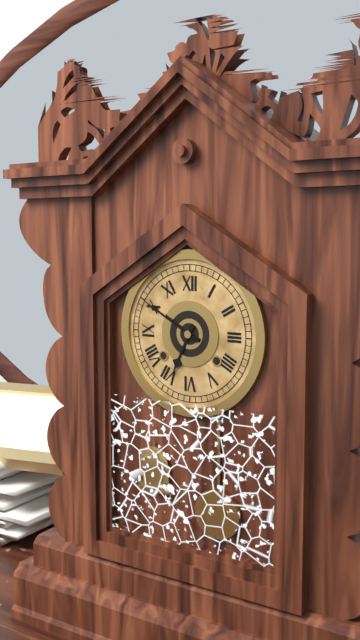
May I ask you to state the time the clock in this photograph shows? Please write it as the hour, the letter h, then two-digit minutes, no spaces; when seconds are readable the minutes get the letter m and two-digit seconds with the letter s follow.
6h50
